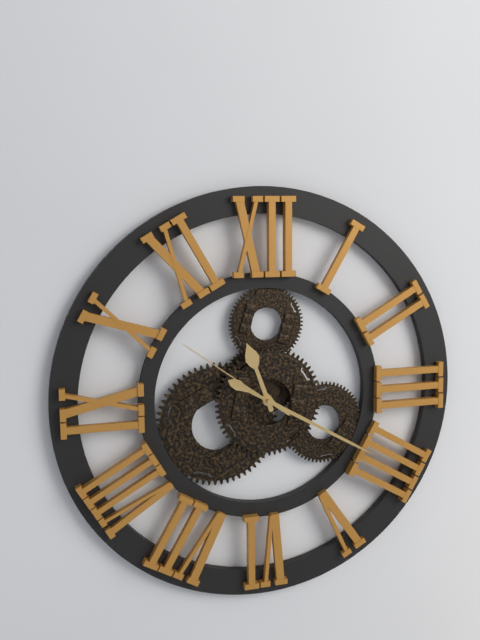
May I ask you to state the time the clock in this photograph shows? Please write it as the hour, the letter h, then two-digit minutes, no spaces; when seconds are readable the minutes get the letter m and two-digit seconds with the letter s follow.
11h20m51s
